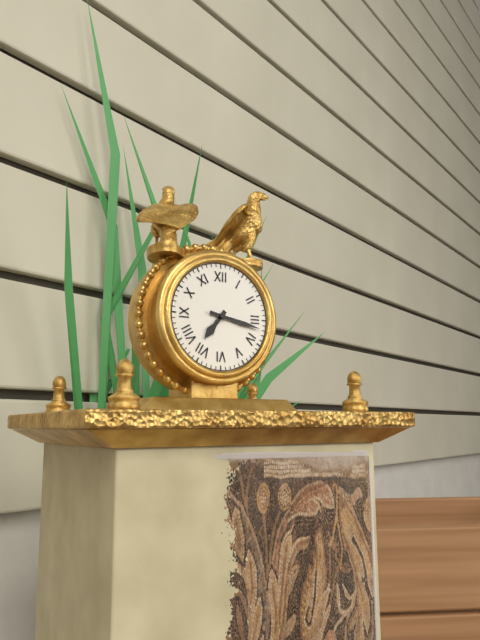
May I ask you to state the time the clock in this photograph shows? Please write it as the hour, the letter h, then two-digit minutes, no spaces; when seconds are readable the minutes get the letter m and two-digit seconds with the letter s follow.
7h17
